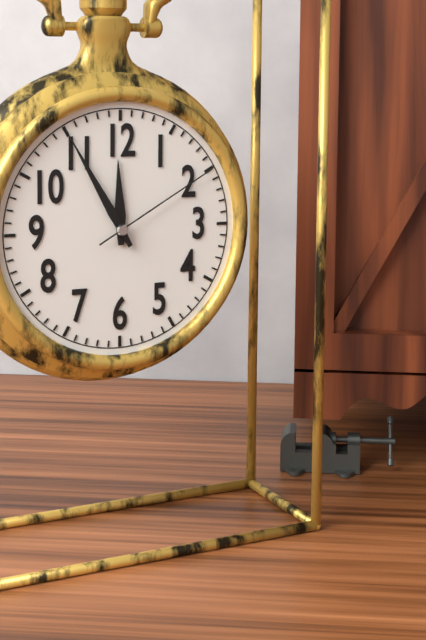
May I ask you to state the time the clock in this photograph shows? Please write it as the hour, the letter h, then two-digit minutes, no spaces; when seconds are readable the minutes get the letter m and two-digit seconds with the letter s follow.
11h55m10s
